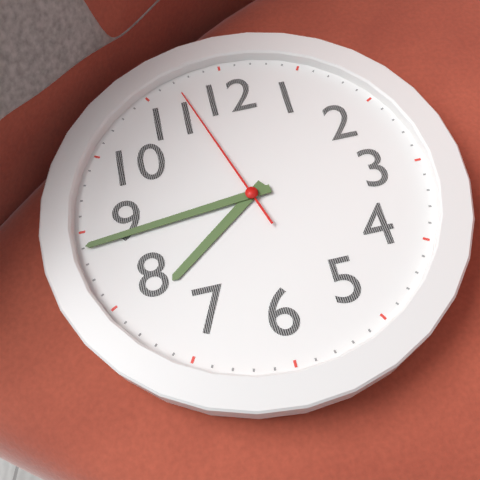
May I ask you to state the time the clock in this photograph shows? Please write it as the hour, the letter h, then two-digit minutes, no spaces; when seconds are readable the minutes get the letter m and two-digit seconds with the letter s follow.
7h44m57s
